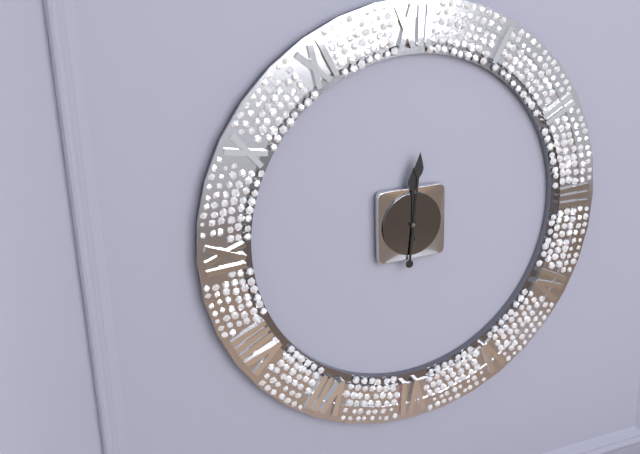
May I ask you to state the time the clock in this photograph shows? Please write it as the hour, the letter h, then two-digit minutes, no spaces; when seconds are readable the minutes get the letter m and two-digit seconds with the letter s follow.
12h01
